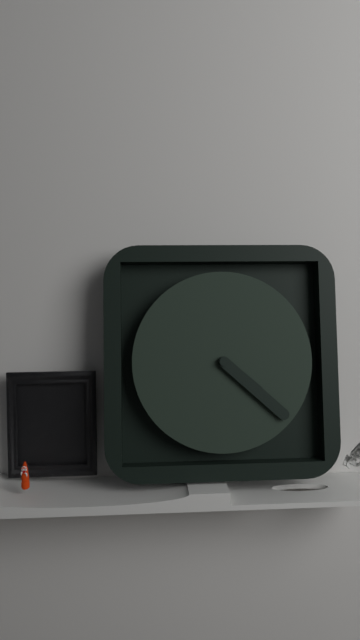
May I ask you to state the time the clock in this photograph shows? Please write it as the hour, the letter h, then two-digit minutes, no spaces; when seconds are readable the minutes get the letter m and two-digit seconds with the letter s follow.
4h22
